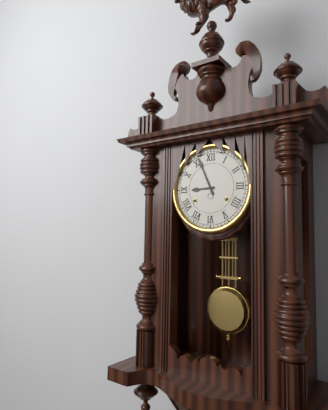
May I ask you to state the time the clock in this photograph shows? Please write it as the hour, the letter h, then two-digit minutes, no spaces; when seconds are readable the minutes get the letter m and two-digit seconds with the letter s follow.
8h56
